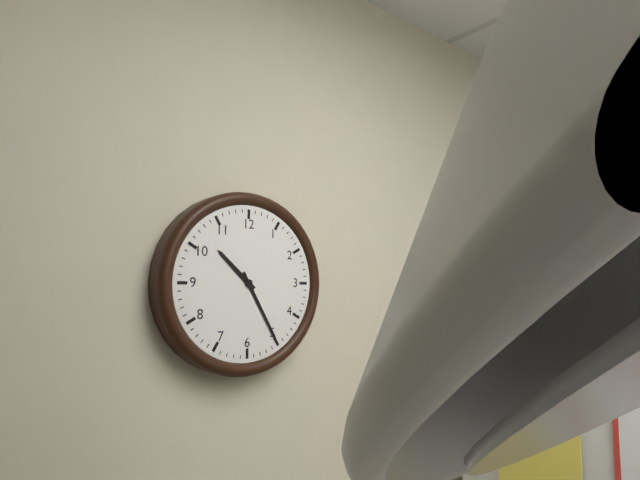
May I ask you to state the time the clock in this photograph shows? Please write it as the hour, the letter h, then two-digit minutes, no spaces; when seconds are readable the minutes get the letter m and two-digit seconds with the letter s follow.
10h25
